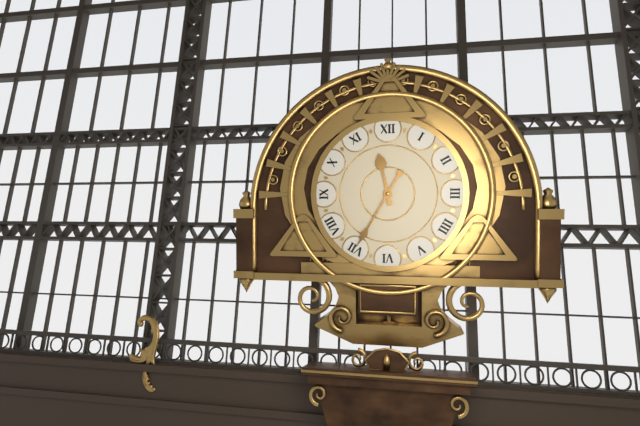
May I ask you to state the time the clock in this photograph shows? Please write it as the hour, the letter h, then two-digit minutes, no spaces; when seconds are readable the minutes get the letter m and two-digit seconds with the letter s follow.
11h35
